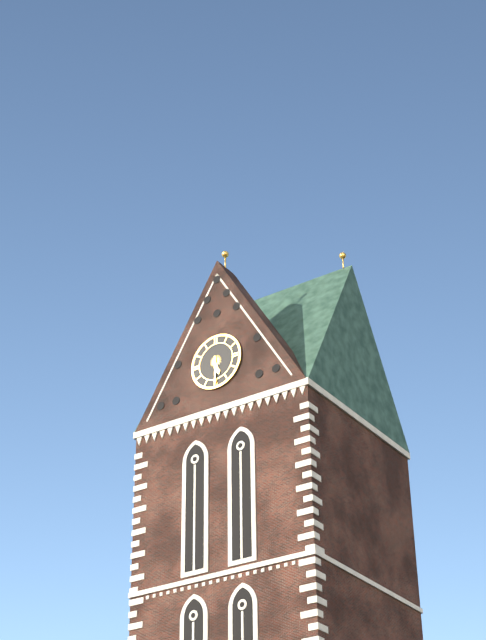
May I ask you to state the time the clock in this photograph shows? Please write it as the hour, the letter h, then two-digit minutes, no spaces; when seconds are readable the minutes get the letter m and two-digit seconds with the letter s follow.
5h30
